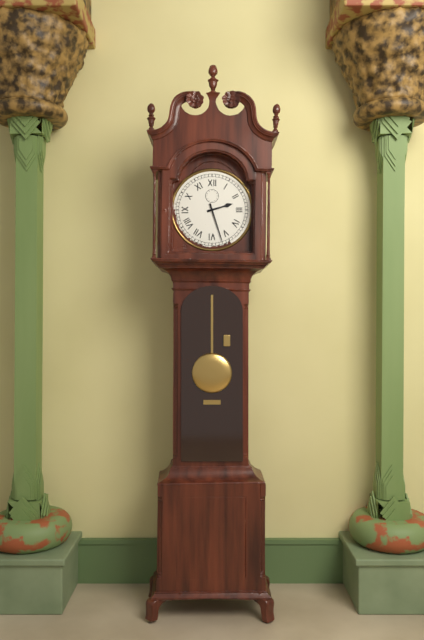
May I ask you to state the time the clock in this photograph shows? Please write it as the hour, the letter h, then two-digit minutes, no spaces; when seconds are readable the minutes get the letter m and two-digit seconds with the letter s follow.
2h27
